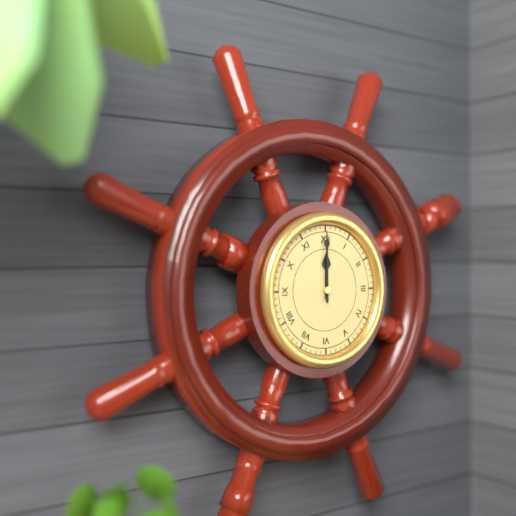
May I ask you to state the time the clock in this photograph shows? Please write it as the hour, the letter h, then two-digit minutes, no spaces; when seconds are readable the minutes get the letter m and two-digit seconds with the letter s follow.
12h00
